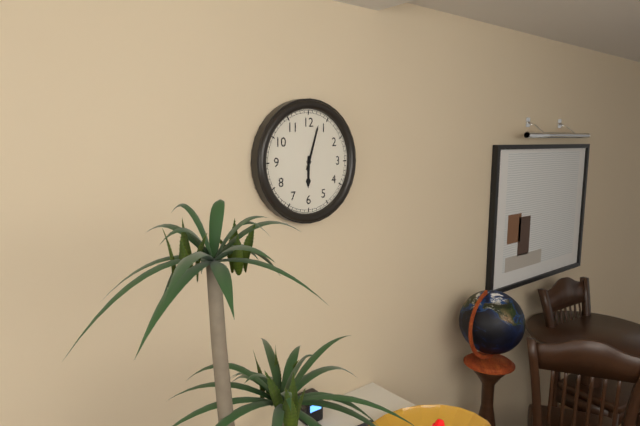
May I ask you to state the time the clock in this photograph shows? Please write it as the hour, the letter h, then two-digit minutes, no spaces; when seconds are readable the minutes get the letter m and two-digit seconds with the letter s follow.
6h03
